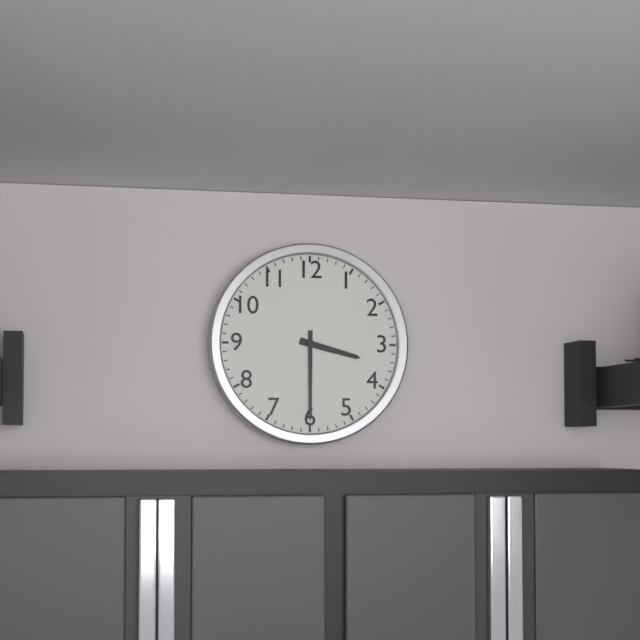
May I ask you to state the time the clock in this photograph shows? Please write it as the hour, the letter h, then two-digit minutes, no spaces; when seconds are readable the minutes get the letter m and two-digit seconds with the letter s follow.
3h30
